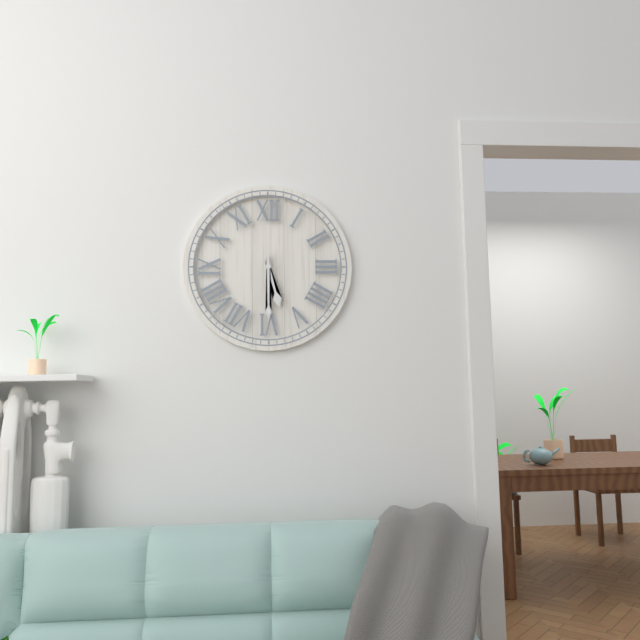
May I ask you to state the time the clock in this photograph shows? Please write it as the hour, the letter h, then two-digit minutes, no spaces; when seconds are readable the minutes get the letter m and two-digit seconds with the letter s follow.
5h30
